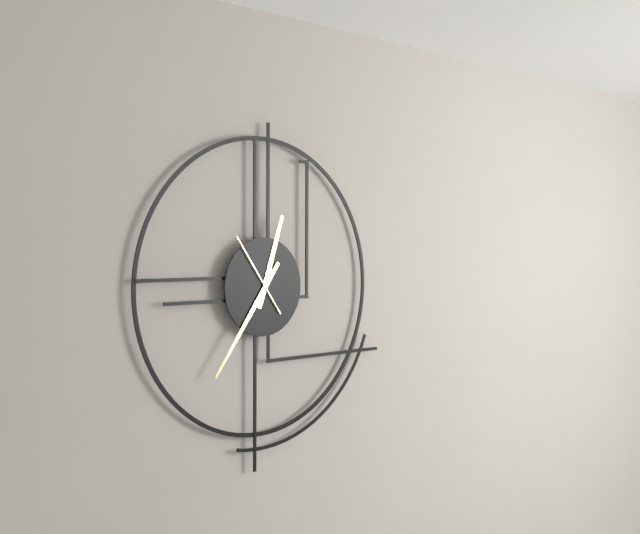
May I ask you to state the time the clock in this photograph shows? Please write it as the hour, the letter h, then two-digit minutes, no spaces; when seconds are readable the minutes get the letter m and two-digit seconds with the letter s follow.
12h36m54s
